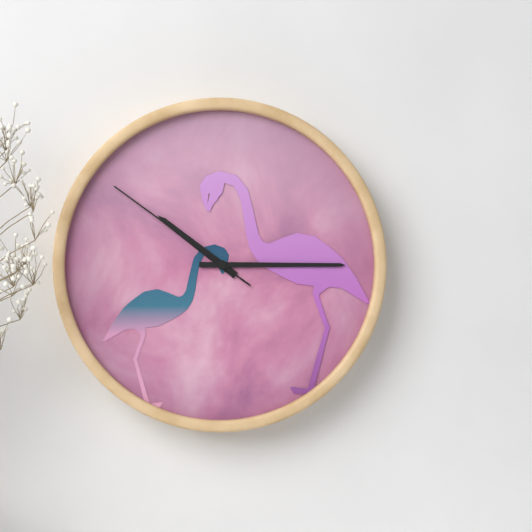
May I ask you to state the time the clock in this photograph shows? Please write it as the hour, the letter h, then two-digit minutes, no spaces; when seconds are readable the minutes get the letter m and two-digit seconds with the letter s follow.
10h15m51s
